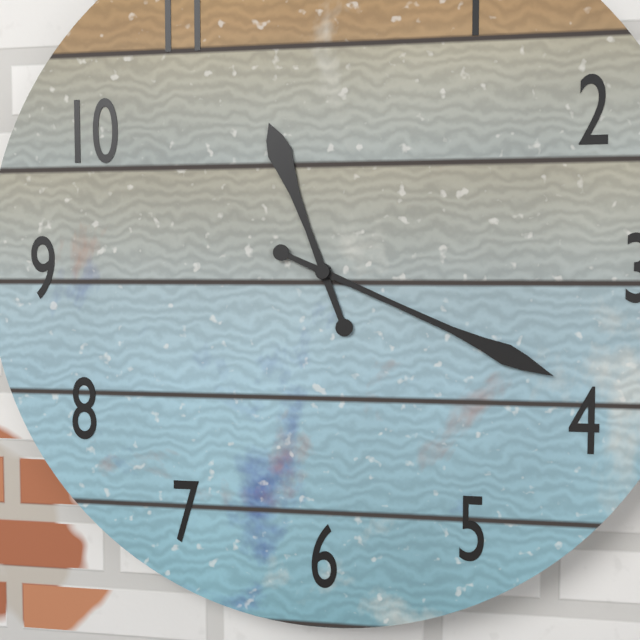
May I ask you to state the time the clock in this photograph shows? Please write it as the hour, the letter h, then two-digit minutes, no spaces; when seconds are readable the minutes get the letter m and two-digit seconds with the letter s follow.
11h19
